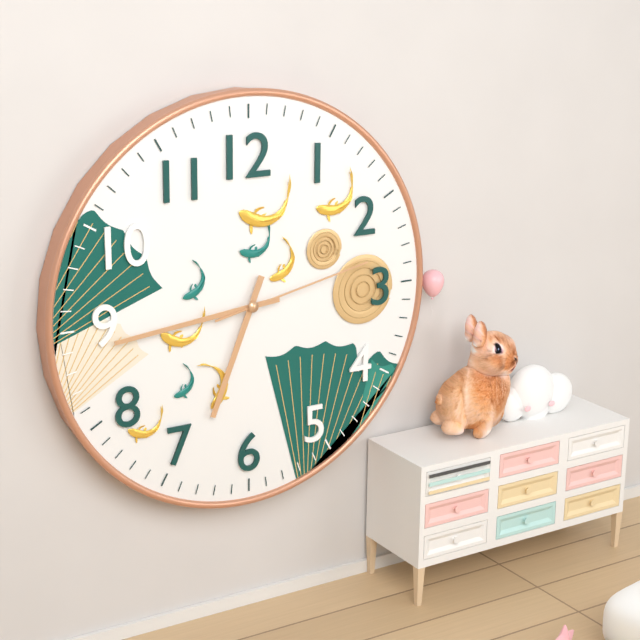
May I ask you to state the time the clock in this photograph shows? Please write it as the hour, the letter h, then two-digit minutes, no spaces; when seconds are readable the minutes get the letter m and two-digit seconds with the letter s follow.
6h44m13s
